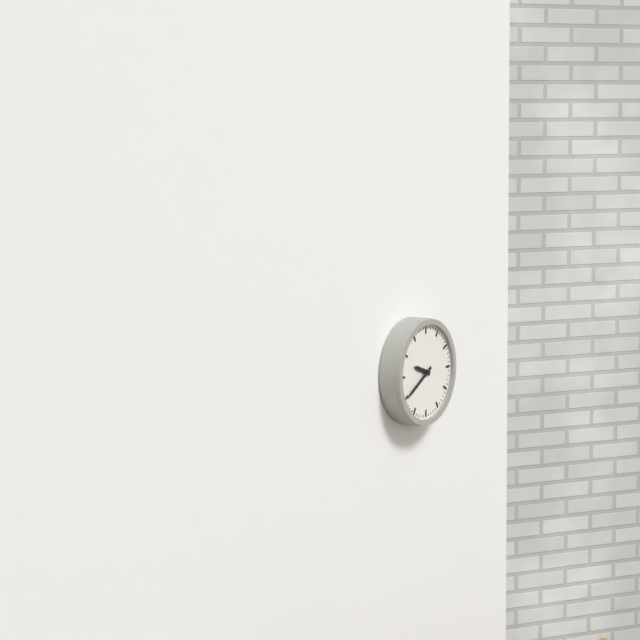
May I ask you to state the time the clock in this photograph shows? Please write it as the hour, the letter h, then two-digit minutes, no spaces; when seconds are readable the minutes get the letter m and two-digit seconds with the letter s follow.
9h40
